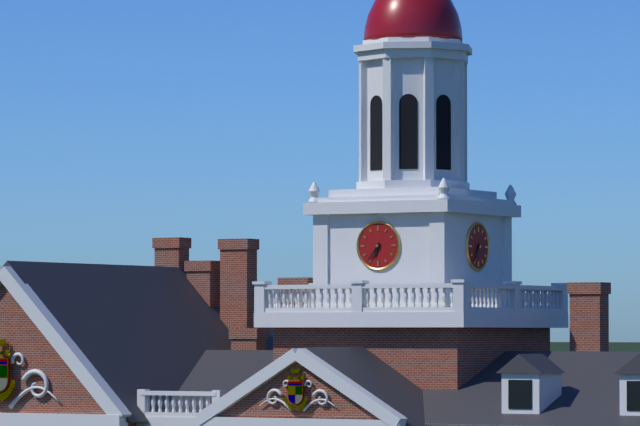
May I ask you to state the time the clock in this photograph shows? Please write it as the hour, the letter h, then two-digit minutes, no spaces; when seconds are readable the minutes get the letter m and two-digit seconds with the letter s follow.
6h36
